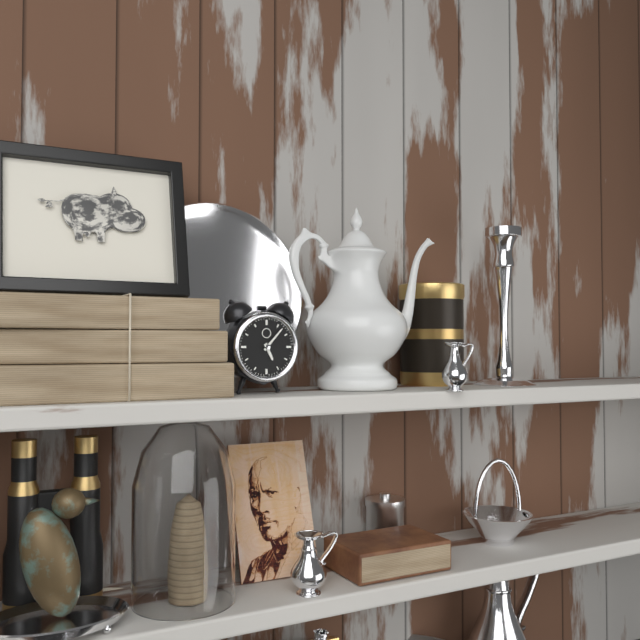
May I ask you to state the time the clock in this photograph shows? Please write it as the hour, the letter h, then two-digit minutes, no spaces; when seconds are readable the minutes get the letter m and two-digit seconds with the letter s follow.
5h07
